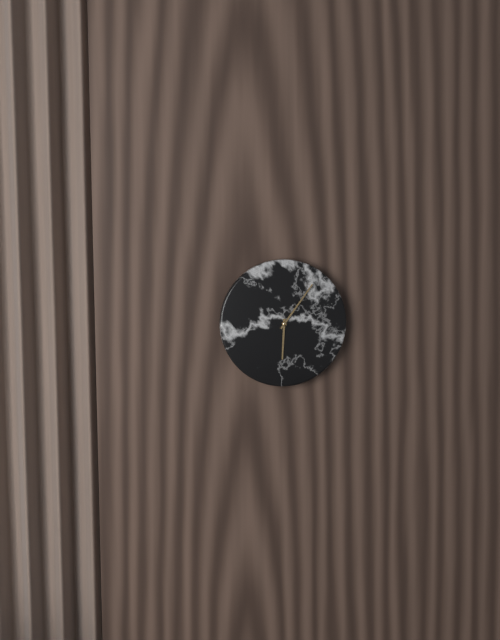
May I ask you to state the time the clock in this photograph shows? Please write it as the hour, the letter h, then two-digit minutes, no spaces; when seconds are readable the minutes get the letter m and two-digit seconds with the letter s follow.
6h06
